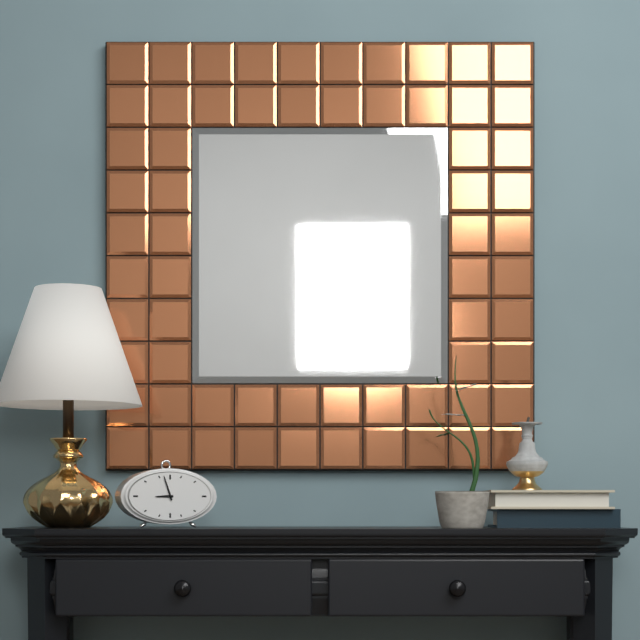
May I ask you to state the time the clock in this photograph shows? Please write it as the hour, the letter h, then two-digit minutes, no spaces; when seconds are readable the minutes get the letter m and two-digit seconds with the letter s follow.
8h57
